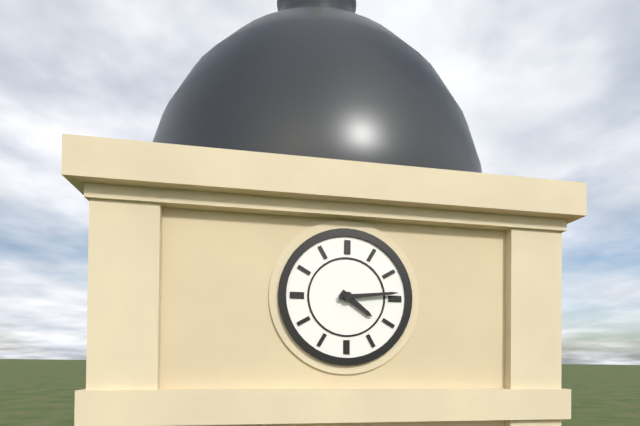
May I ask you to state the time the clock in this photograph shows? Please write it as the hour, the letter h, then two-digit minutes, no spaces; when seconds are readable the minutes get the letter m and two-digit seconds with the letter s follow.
4h14
